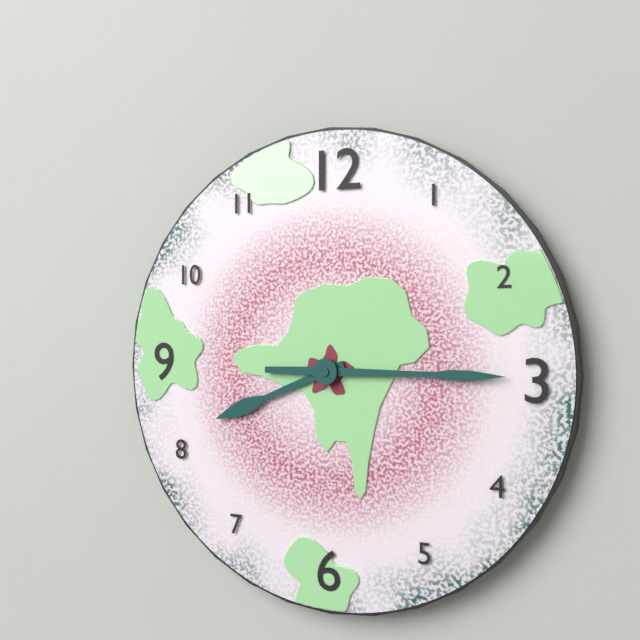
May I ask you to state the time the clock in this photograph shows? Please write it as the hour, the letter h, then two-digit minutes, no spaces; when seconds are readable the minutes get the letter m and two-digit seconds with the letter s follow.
8h15
